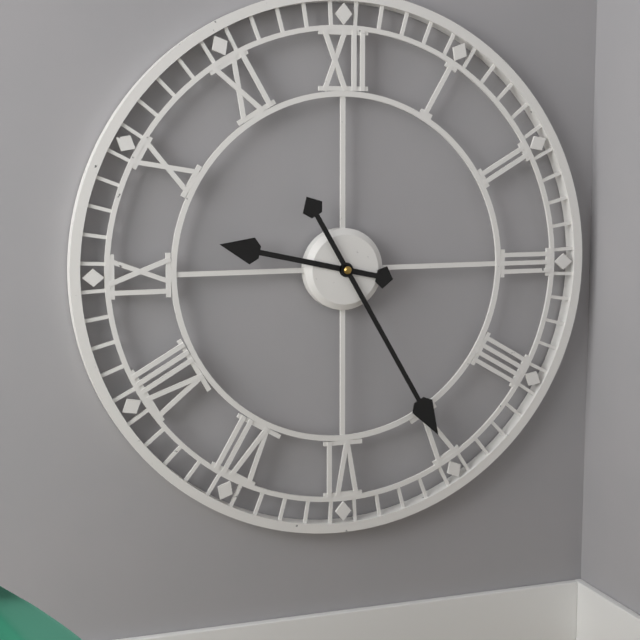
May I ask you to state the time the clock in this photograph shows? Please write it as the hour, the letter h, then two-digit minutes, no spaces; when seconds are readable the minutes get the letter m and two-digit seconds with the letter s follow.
9h25
